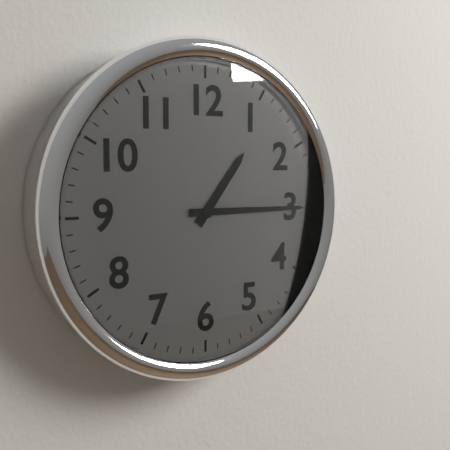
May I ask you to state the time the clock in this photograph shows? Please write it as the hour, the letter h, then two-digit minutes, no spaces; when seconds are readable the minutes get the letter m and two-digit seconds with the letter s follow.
1h15
